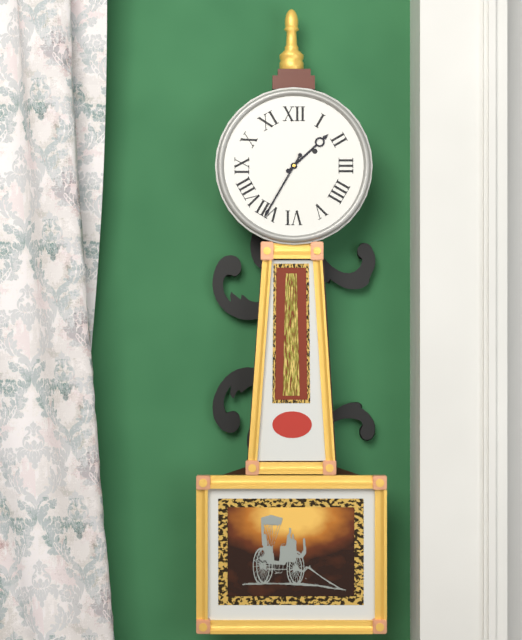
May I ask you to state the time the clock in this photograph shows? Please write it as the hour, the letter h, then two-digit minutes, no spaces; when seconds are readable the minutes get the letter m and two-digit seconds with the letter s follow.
1h35
